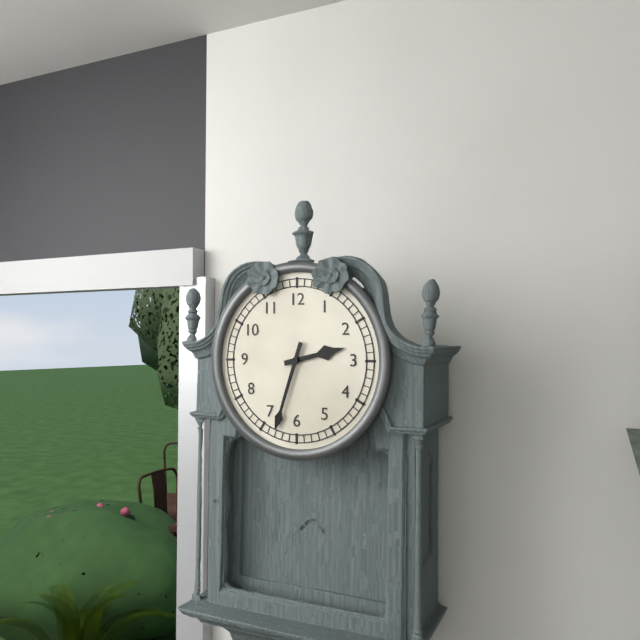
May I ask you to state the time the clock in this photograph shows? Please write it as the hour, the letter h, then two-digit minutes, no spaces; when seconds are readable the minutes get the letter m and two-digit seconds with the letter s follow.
2h33
